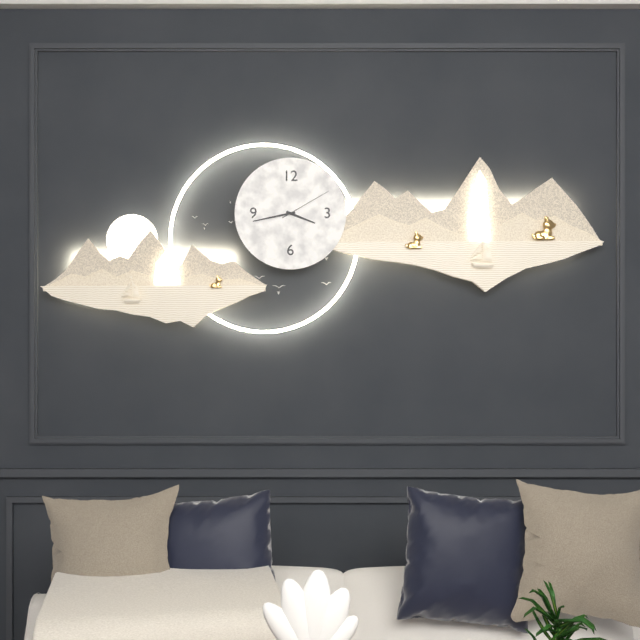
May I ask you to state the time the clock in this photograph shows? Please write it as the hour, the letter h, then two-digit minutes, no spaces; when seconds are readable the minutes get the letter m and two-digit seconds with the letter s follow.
3h43m10s
